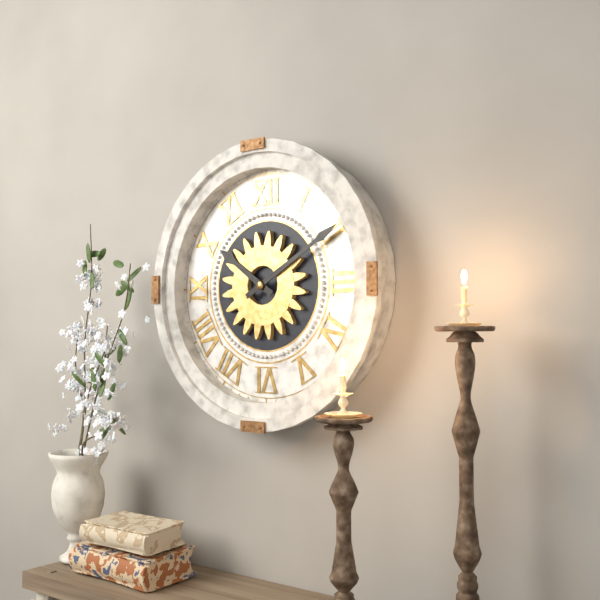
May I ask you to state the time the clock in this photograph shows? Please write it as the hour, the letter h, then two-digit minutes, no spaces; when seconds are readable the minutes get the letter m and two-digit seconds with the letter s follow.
10h10
